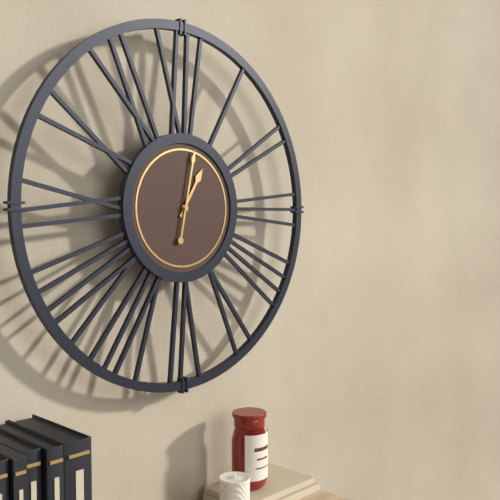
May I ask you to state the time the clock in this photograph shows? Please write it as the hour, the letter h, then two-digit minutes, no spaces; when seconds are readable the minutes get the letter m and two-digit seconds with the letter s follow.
1h02
